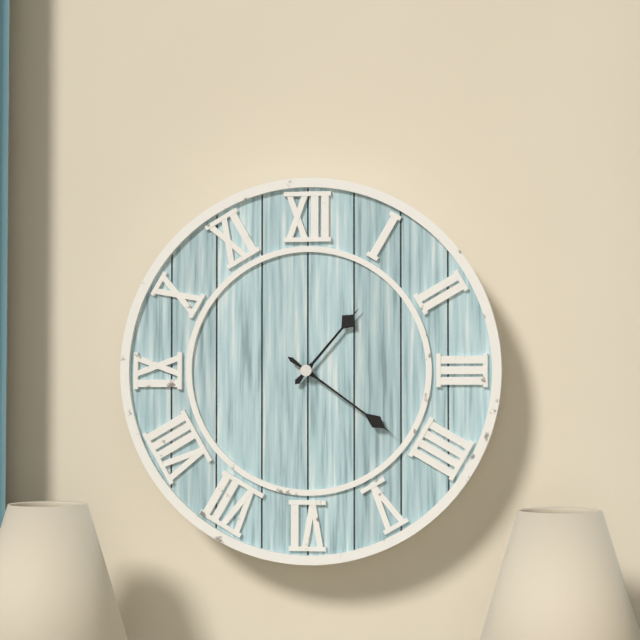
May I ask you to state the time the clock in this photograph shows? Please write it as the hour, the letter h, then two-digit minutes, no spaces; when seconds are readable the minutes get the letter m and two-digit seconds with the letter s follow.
1h21
